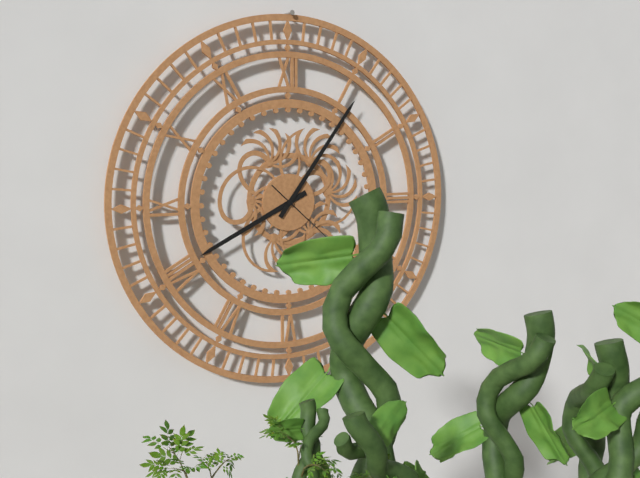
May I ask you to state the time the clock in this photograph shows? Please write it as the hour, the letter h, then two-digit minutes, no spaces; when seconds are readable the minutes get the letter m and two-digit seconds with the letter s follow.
8h06
